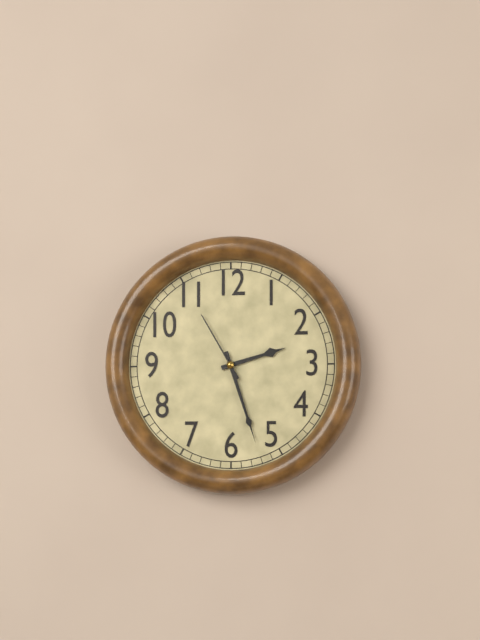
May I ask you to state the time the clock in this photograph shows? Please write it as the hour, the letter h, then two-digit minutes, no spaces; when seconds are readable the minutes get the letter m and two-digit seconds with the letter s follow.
2h27m55s
